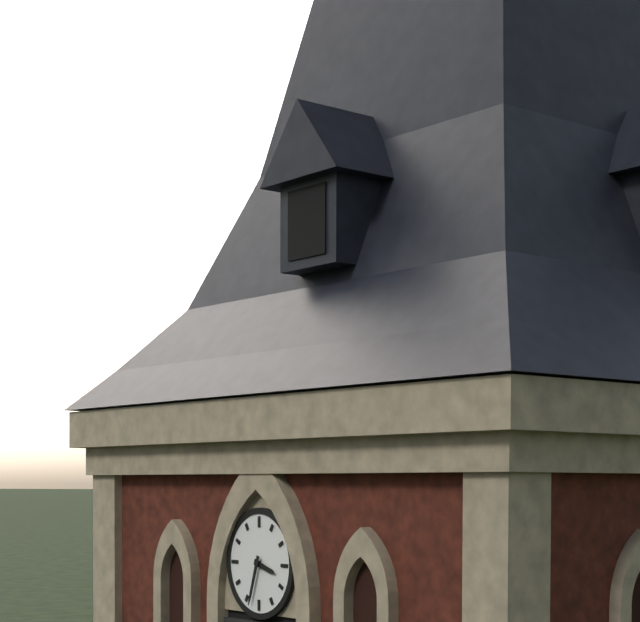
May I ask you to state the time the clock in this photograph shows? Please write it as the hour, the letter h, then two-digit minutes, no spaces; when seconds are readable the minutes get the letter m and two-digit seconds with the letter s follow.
3h33
